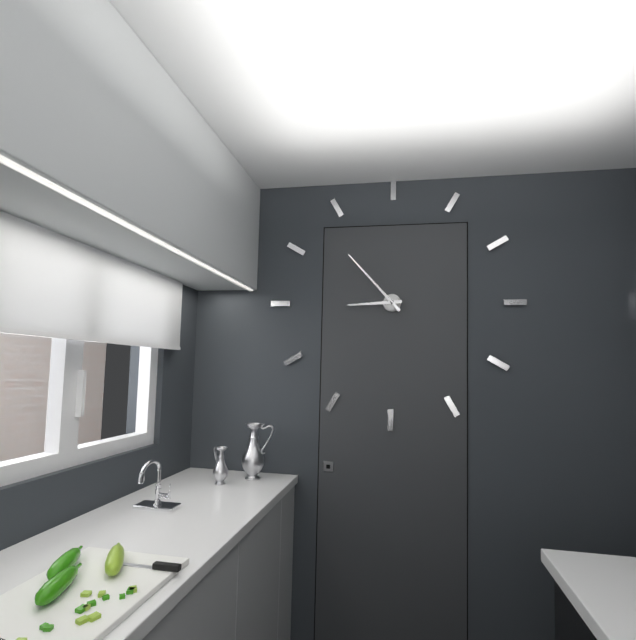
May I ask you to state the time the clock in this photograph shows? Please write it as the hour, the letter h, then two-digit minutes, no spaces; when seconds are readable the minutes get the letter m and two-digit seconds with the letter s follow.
8h53
